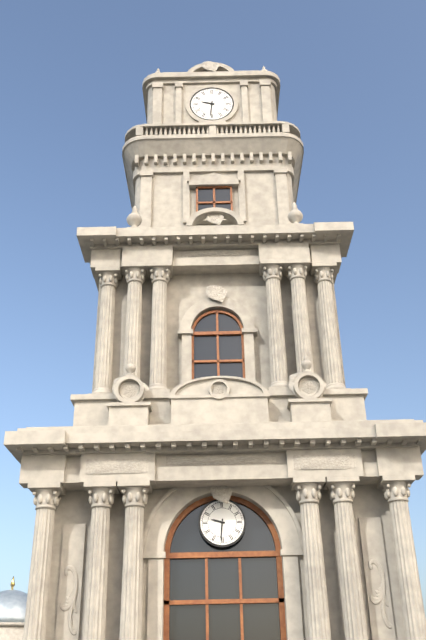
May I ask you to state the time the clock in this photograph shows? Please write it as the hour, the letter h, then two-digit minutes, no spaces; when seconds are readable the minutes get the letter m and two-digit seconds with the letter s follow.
9h31
